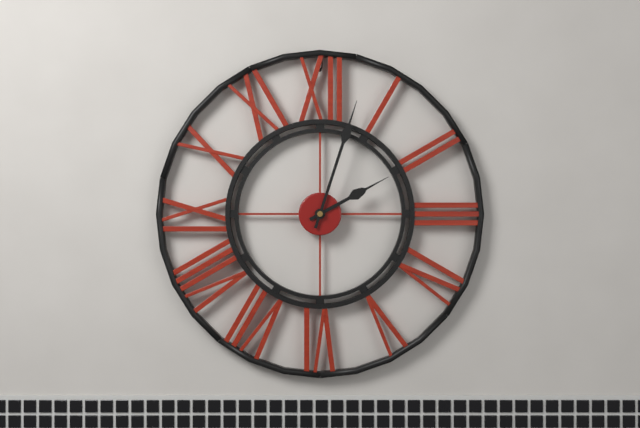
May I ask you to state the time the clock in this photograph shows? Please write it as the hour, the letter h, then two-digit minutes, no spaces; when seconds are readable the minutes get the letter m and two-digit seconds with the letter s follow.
2h03
